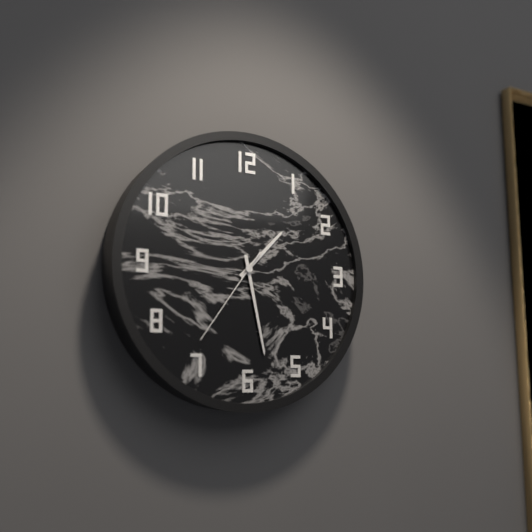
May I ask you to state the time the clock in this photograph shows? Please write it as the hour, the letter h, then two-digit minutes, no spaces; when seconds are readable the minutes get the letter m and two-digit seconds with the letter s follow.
1h28m36s
